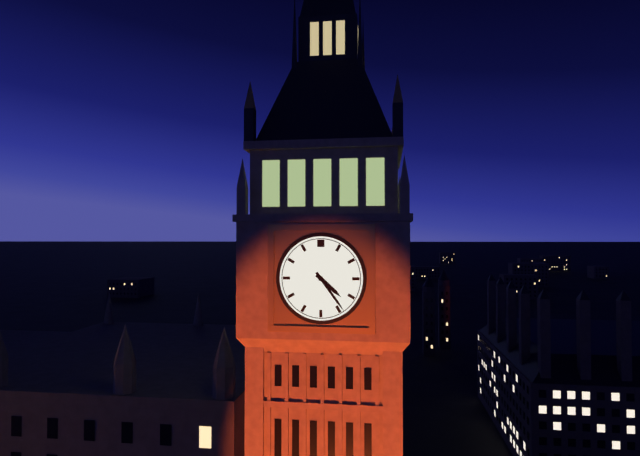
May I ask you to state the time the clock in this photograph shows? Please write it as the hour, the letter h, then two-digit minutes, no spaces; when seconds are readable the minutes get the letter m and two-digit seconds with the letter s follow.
4h24
